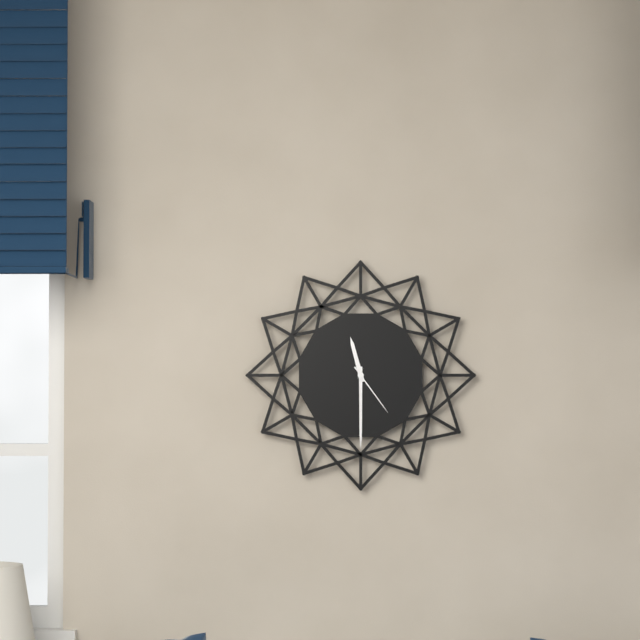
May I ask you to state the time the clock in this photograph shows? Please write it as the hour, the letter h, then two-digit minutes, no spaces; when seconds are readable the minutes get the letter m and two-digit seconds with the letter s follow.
11h30m24s
